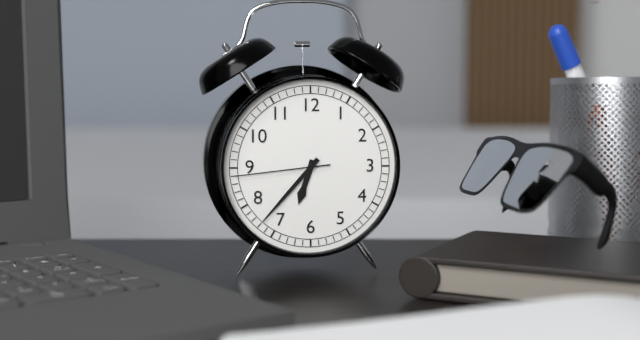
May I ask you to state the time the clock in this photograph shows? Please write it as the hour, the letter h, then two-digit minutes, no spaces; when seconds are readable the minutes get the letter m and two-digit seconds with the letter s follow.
6h37m44s
